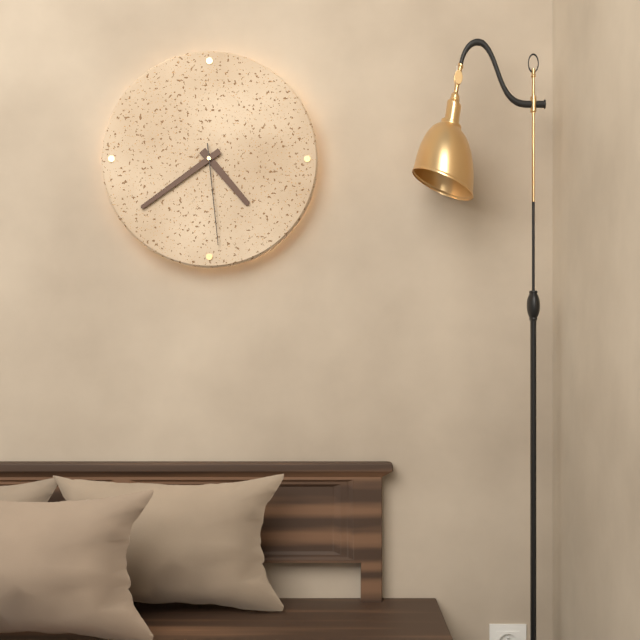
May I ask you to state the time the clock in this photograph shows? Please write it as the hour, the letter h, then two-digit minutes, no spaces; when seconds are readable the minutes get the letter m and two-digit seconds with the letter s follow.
4h39m29s
